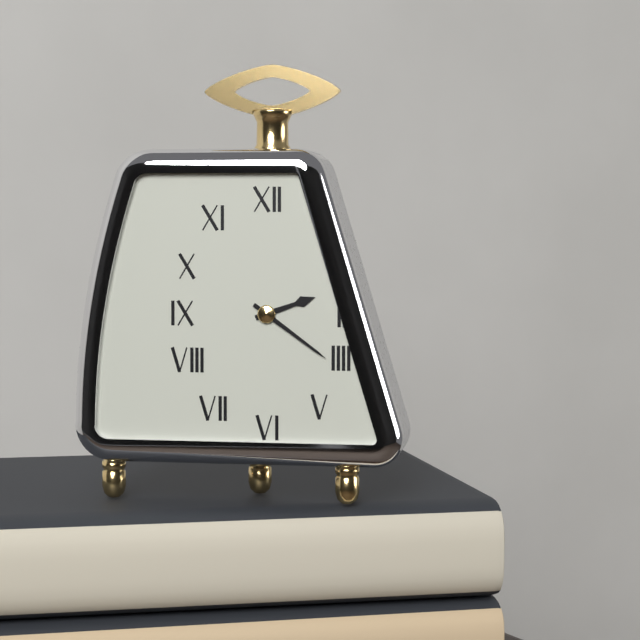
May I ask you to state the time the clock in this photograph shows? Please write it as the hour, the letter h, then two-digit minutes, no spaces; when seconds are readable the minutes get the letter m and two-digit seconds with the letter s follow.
2h21
